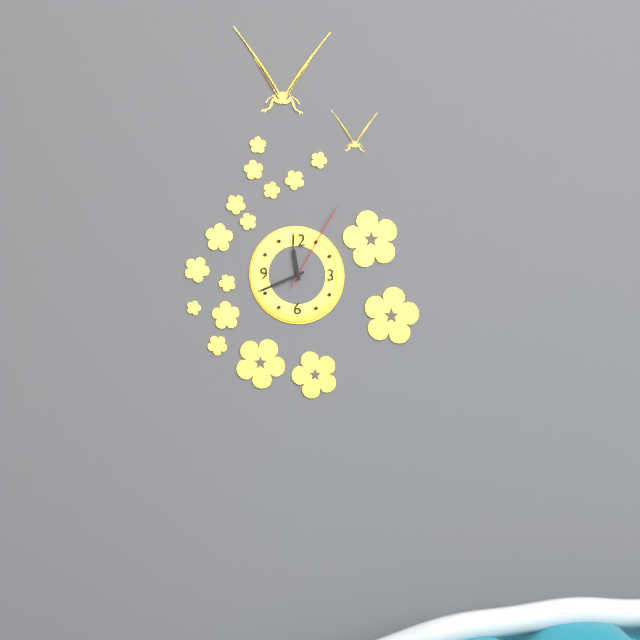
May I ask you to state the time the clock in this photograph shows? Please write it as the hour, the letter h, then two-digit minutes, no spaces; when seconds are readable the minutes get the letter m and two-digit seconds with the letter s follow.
11h41m05s
